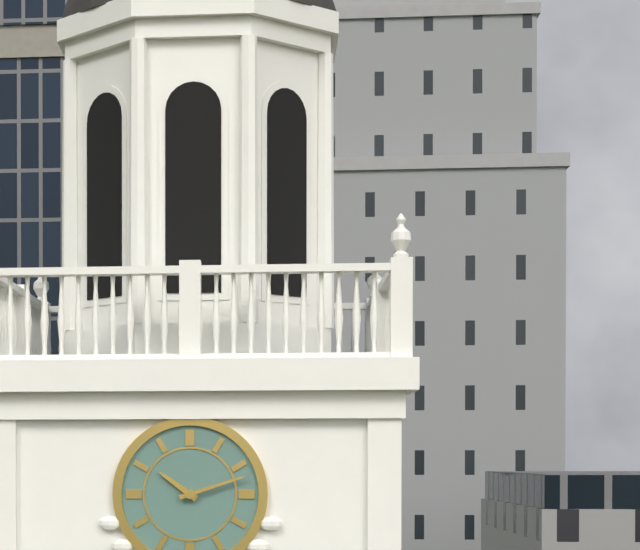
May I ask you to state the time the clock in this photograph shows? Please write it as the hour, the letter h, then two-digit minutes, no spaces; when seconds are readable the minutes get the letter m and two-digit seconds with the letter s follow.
10h12
